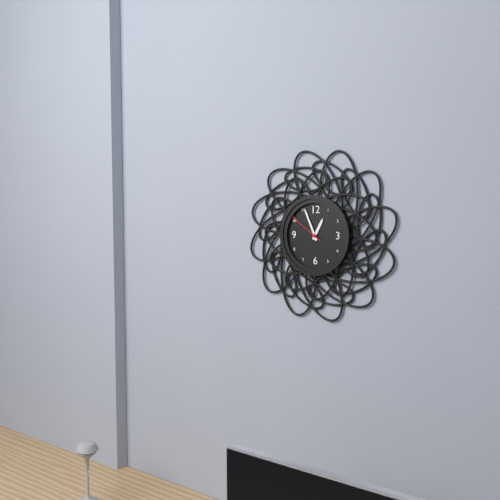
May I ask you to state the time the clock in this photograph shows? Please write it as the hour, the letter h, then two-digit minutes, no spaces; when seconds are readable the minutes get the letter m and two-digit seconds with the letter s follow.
12h56
